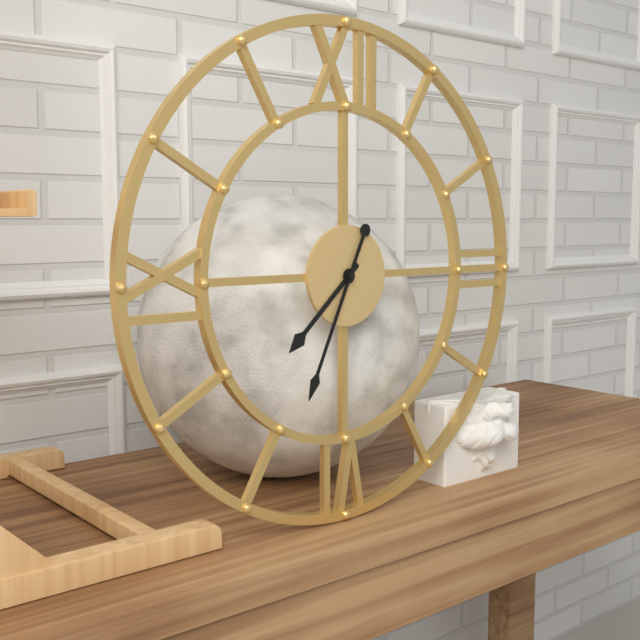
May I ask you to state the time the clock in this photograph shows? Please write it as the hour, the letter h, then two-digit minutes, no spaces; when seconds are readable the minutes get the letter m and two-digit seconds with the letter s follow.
7h34
